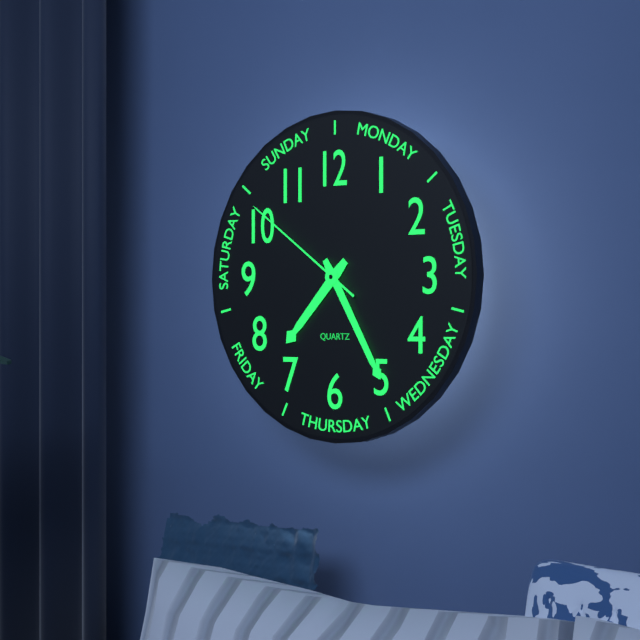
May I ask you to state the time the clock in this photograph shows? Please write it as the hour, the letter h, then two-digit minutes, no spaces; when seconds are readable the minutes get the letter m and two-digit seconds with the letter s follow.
7h25m51s
